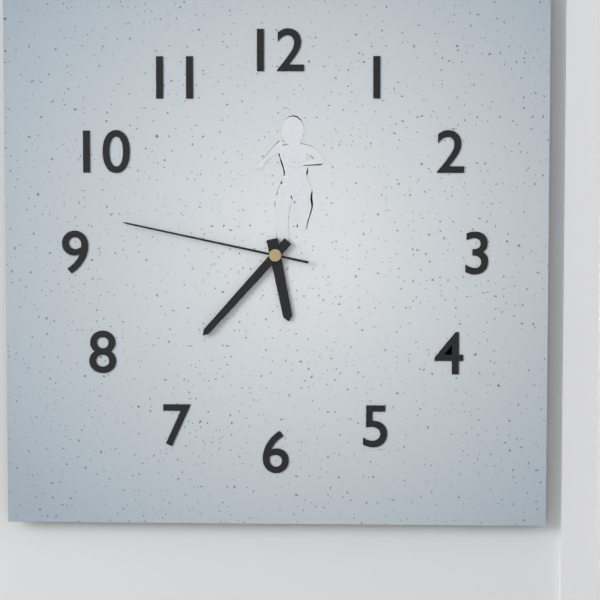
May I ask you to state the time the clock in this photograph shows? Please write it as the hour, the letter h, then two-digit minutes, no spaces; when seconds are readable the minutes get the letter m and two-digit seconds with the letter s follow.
5h37m47s
